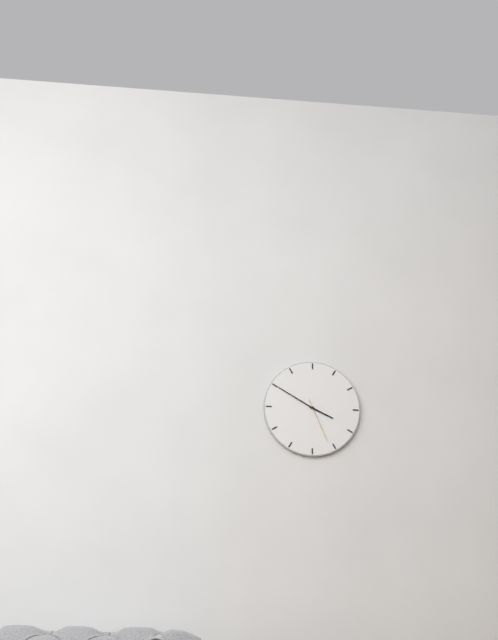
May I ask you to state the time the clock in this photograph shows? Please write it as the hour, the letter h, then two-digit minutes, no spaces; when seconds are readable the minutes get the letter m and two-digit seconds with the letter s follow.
3h50
